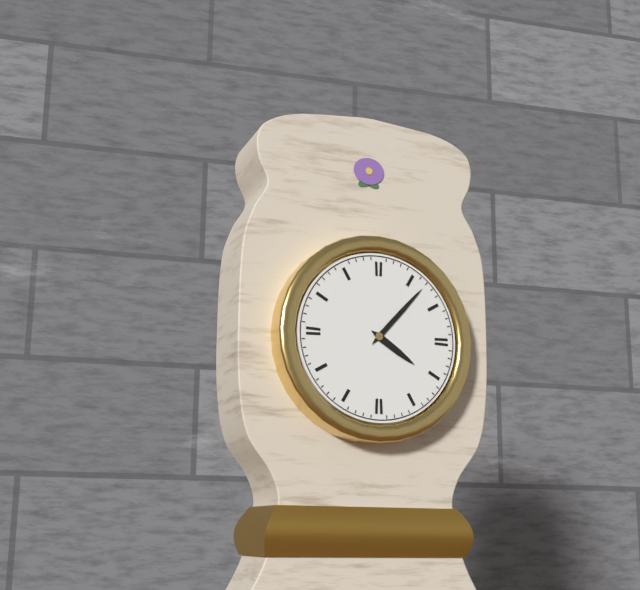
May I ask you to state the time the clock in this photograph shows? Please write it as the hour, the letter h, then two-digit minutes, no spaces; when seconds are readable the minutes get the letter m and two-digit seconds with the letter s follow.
4h07
